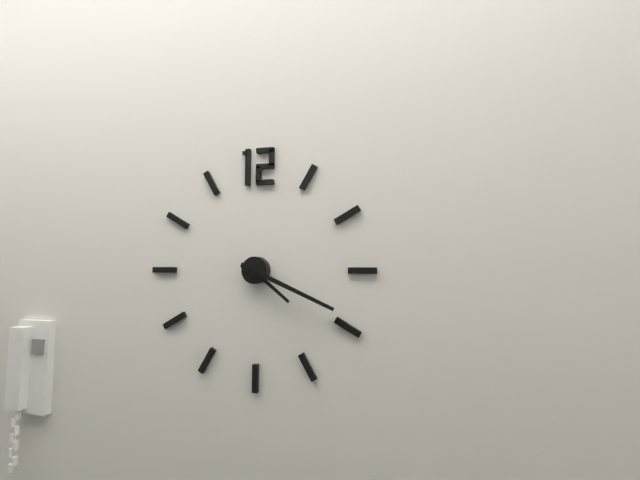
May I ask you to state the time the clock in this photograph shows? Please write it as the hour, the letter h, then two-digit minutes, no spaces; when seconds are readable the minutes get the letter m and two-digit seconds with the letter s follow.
4h19
